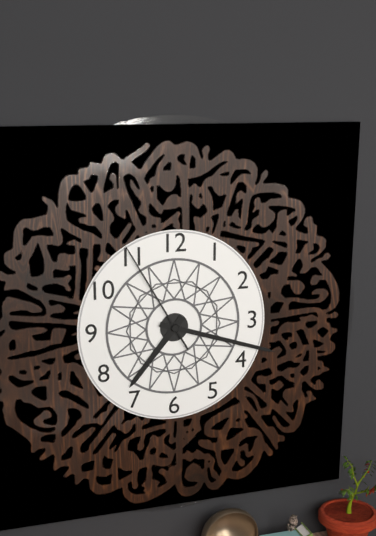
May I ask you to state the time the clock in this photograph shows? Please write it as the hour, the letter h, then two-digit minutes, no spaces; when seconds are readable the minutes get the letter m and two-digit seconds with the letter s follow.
7h18m55s
